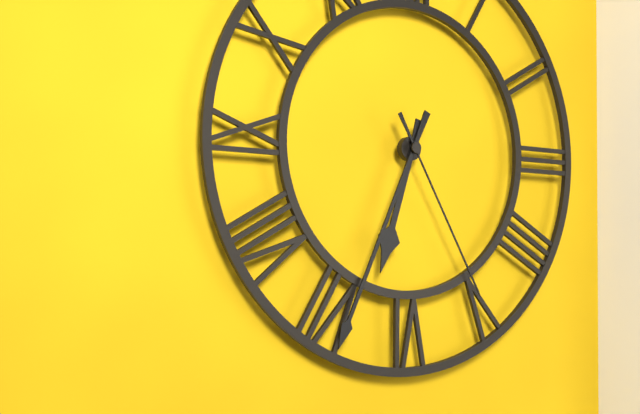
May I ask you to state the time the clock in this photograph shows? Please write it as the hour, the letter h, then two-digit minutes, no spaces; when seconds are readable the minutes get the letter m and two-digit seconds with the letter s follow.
6h34m25s
